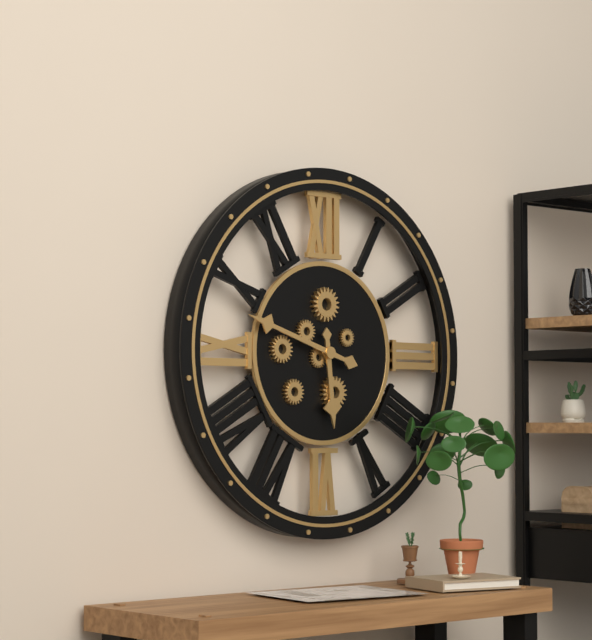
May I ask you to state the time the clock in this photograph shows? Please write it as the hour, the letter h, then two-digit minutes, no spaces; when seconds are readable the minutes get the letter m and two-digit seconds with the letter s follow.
5h48
